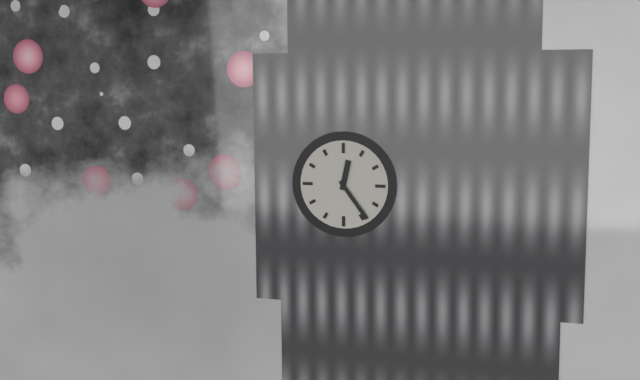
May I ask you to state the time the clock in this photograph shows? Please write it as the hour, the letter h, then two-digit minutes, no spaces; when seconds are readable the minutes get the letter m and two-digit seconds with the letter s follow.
12h24
